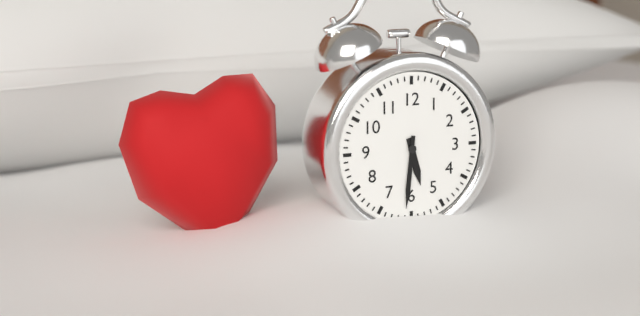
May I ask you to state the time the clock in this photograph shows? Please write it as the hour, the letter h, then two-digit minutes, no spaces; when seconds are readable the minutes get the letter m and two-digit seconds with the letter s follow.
5h31
